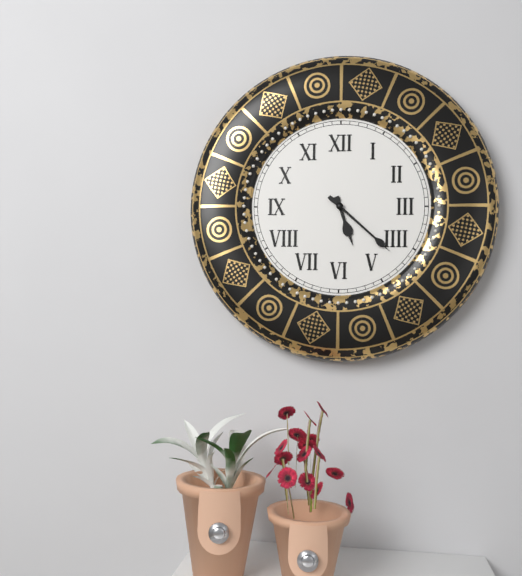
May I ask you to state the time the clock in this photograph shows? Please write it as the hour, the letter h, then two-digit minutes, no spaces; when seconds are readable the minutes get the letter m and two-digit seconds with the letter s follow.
5h22
